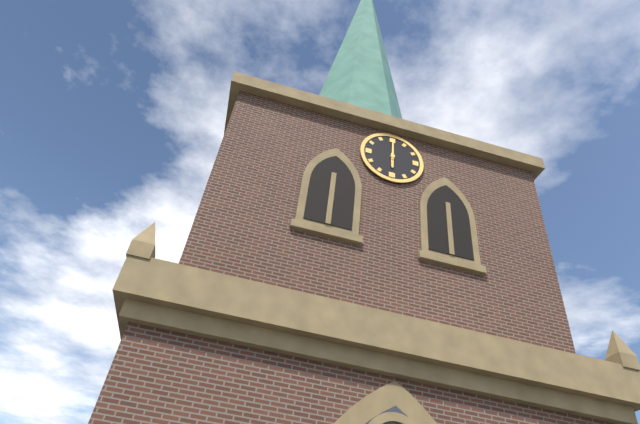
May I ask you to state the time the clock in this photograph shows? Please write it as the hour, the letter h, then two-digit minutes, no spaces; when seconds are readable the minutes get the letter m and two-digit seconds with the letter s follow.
6h00
